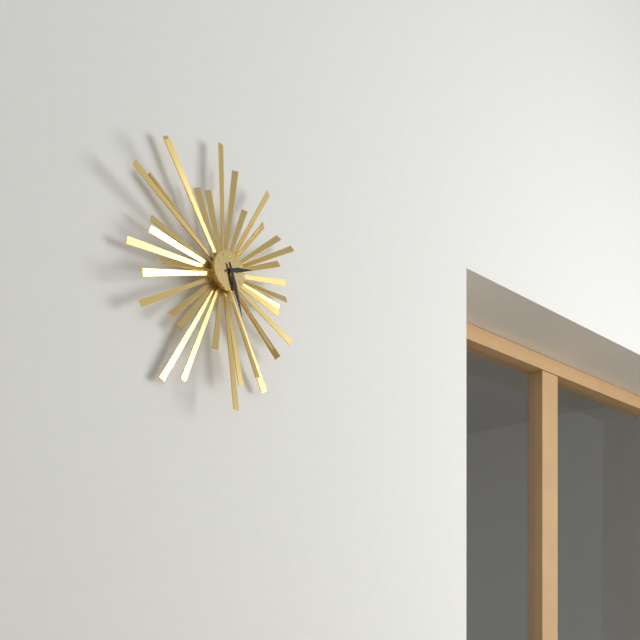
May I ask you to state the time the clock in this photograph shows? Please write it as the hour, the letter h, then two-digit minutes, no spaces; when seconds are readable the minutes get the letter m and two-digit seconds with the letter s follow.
2h27
